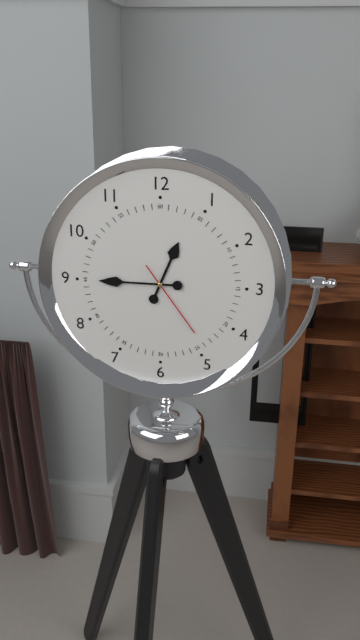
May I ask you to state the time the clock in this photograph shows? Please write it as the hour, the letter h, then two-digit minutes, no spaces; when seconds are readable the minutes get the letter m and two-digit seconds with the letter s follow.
12h45m24s
